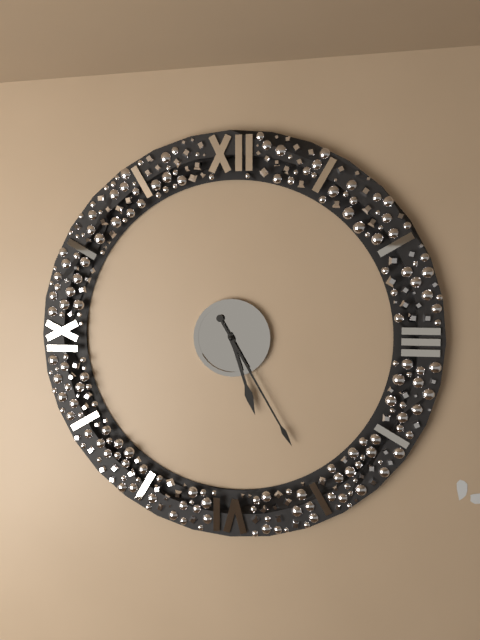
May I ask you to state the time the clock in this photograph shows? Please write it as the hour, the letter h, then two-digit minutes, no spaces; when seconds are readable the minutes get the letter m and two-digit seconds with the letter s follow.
5h25
